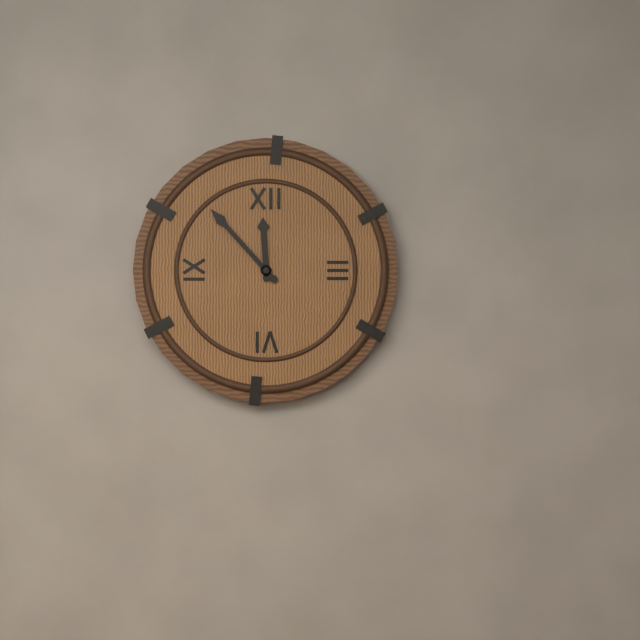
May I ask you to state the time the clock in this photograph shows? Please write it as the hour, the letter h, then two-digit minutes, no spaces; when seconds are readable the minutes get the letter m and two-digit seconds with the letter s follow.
11h53
